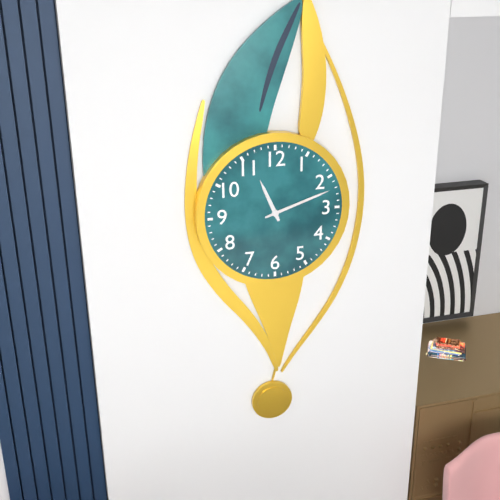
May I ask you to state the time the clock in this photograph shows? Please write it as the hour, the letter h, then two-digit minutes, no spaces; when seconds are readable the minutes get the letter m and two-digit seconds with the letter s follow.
11h12
